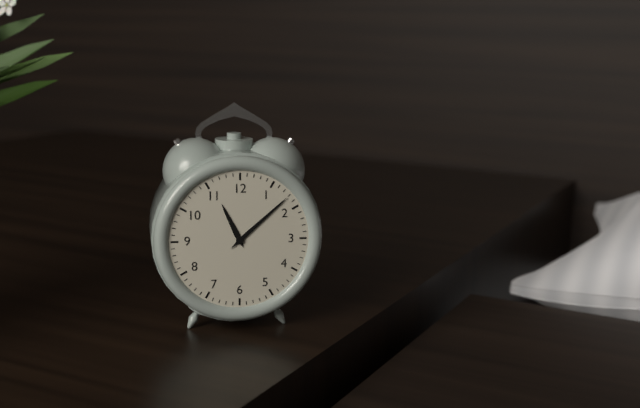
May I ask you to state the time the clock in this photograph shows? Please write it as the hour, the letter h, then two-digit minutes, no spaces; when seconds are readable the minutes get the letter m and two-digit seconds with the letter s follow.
11h08
